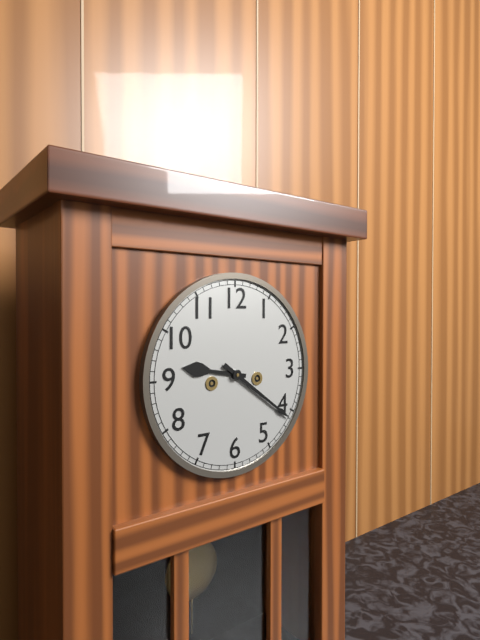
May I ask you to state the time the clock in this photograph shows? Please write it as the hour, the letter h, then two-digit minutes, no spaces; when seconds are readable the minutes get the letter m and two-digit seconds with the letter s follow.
9h21
